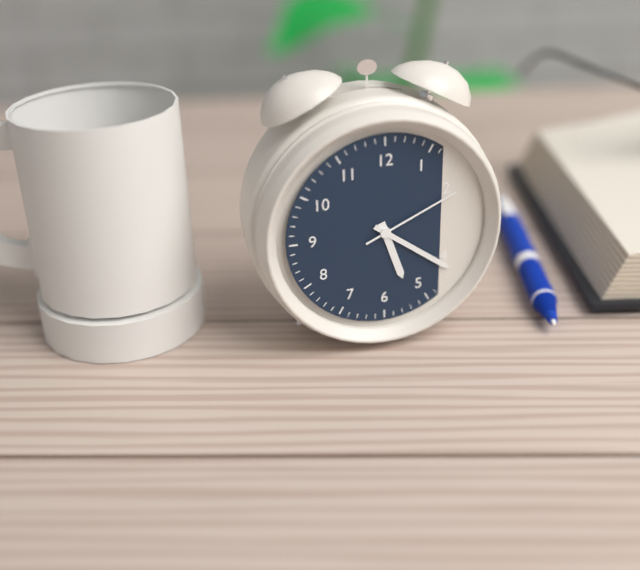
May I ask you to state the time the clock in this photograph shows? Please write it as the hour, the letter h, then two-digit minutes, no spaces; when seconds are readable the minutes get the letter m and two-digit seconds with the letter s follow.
5h21m11s
